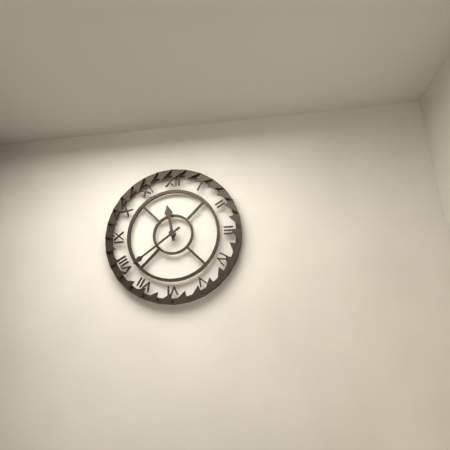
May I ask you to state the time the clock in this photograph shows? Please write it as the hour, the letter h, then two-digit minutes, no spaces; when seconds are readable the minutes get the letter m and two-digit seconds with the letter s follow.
11h39
